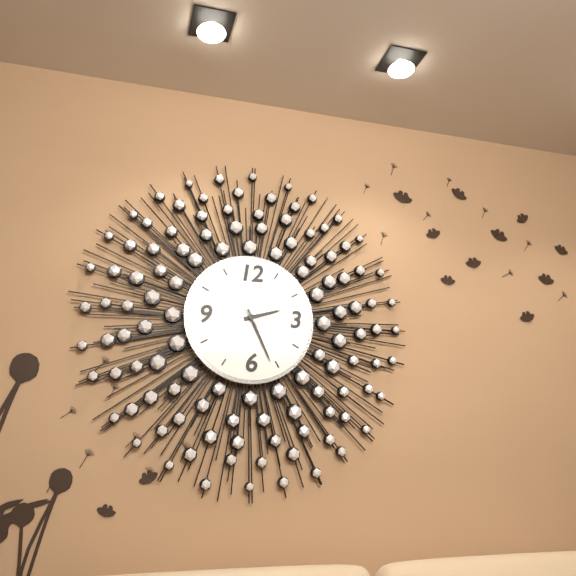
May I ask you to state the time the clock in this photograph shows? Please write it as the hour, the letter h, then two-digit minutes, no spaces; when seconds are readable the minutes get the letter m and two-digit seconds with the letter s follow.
2h26m54s
